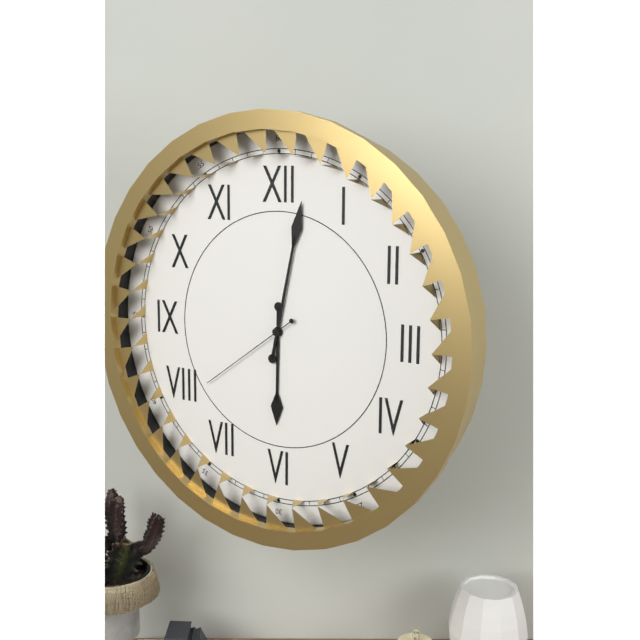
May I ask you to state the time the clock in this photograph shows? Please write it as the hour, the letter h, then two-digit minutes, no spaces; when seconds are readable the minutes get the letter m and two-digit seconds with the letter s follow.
6h02m39s
